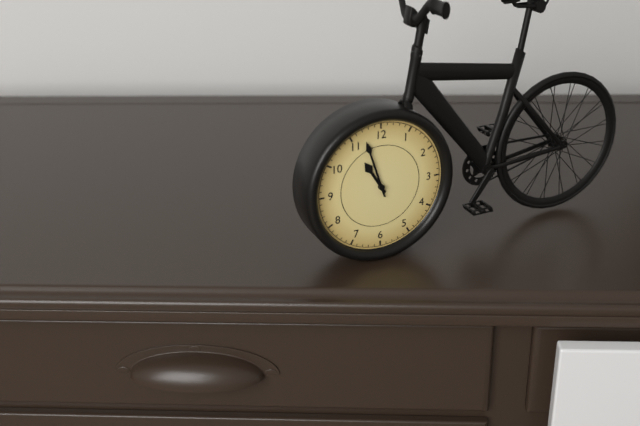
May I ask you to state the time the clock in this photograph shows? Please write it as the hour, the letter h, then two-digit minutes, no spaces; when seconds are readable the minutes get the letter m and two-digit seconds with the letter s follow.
10h57
